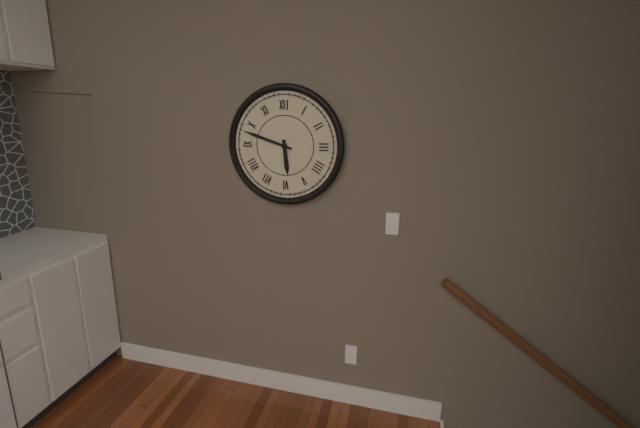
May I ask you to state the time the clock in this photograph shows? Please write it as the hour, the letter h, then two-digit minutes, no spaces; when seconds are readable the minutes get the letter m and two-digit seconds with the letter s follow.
5h48
